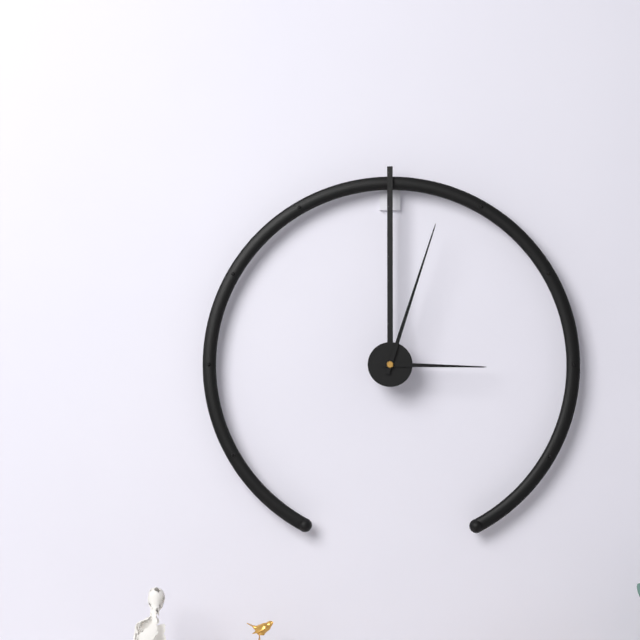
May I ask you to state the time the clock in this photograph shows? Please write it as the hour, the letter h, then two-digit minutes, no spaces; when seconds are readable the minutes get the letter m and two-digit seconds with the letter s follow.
3h03
